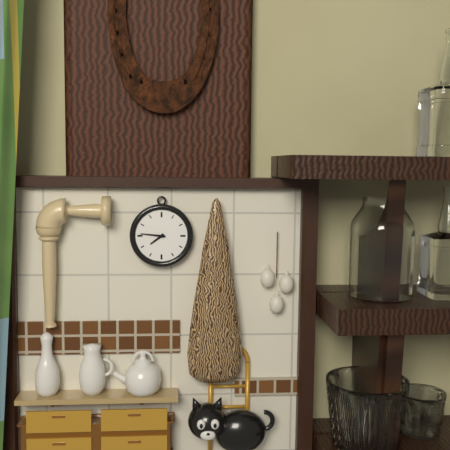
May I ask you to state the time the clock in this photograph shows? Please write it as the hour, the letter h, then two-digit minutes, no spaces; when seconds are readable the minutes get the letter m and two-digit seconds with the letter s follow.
7h46
